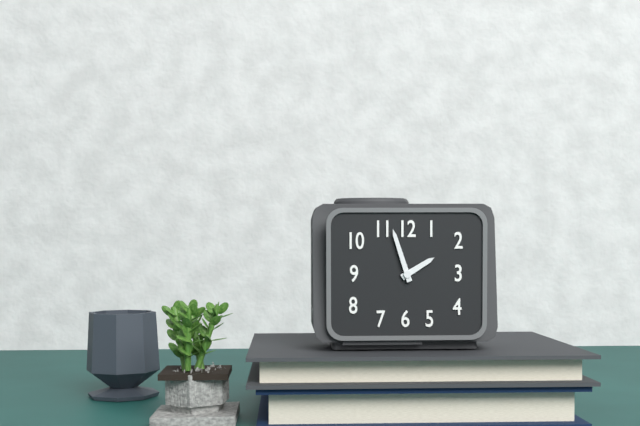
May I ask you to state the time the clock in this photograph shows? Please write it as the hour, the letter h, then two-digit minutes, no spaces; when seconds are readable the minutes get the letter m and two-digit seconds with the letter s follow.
1h57
